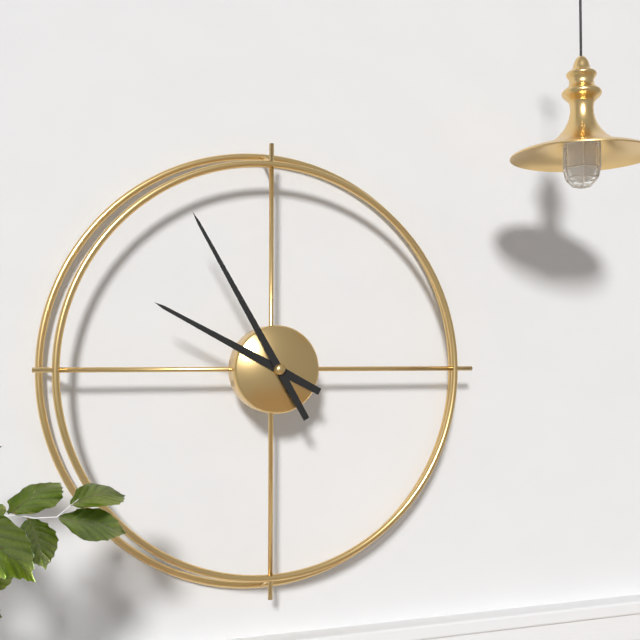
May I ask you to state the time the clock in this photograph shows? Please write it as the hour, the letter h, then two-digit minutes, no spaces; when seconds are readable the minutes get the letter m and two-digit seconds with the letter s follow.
9h55
